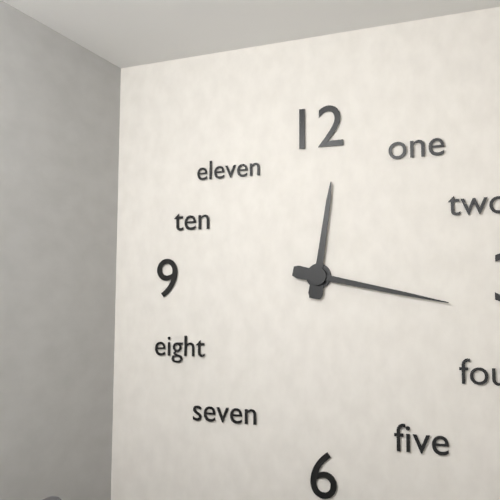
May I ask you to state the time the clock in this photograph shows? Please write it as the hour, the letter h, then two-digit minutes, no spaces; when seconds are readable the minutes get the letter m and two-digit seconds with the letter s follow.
12h17
